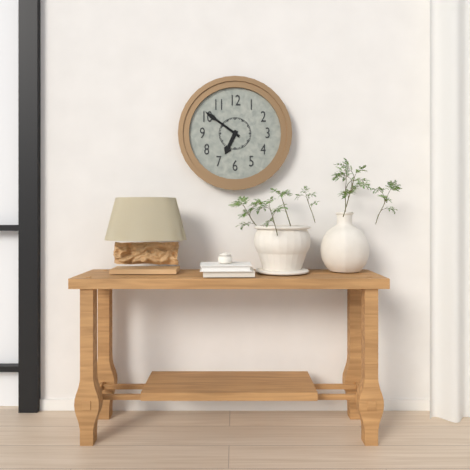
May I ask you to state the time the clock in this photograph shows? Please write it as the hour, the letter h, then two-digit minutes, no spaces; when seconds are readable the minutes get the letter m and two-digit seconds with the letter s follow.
6h51
